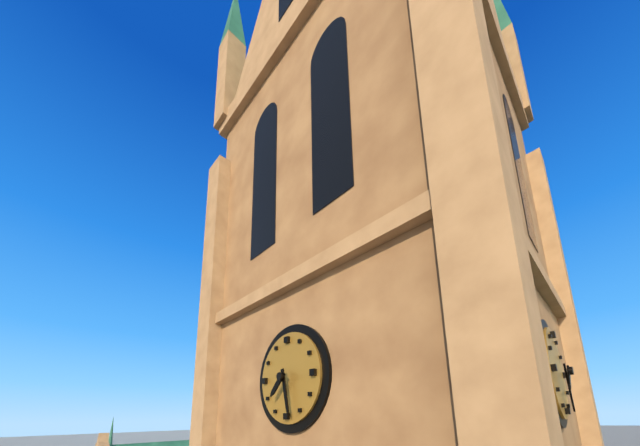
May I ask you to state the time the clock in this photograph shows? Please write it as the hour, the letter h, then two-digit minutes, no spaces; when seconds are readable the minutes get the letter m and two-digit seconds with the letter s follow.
7h28
